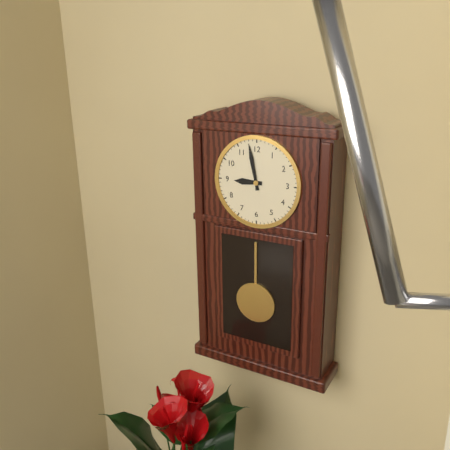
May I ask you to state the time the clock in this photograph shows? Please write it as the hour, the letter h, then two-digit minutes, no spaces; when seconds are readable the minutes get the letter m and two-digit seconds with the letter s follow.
8h58
